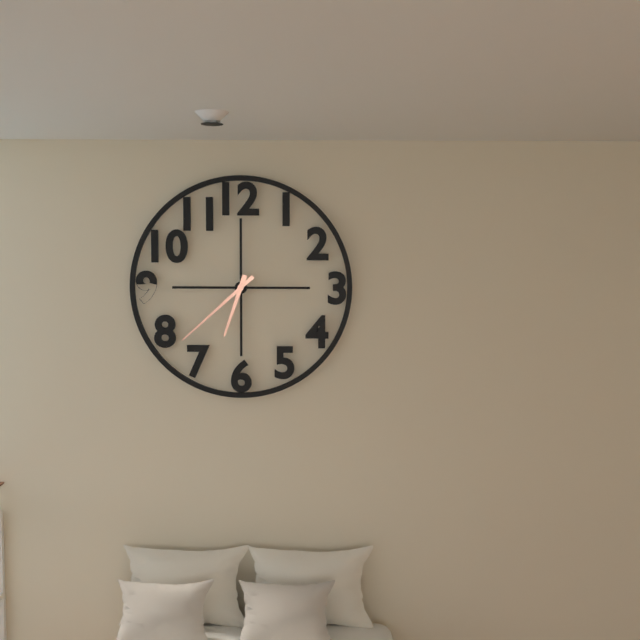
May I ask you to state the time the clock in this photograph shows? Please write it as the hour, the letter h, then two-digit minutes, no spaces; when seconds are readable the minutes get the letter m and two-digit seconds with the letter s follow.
6h38
